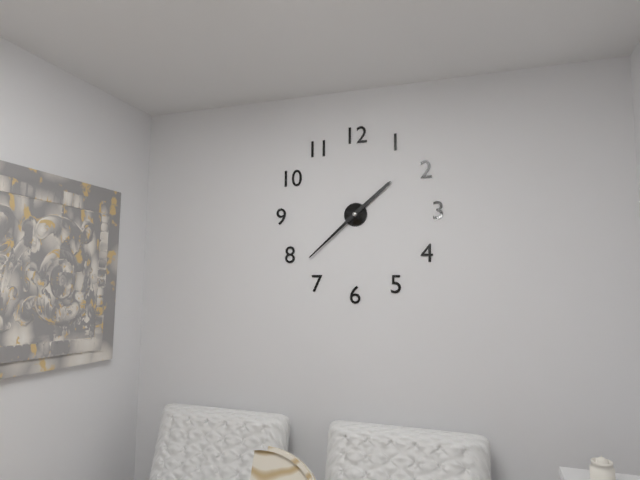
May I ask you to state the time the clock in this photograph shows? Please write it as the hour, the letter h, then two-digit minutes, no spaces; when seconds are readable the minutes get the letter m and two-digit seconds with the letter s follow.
1h38
